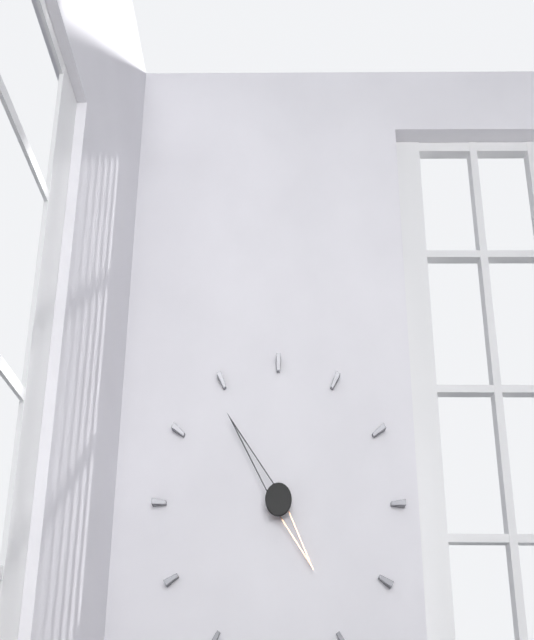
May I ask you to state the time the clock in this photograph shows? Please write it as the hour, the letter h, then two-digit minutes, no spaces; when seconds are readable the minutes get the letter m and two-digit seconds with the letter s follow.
4h54
